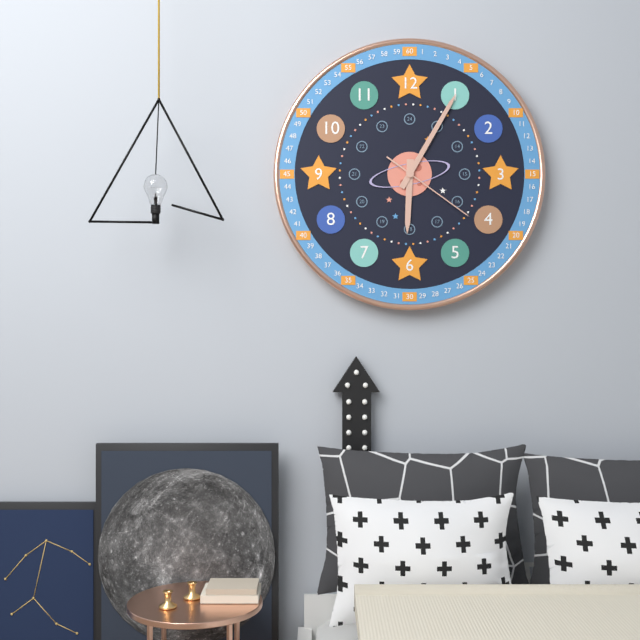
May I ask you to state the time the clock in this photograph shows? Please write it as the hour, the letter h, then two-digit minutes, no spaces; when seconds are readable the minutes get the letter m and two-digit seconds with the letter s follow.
6h05m21s
